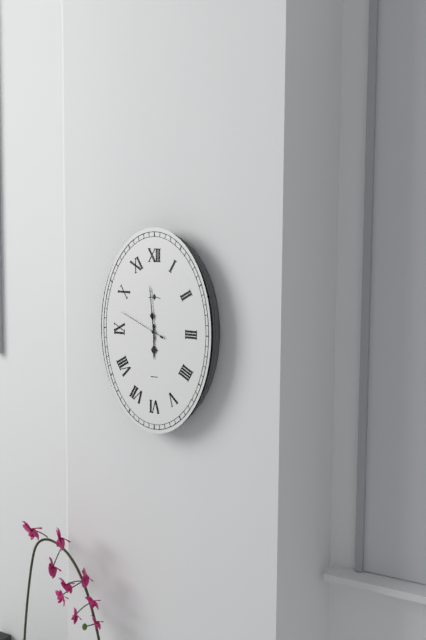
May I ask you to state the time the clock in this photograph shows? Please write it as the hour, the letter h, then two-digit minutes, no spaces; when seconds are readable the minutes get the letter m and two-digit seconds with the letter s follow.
5h59
